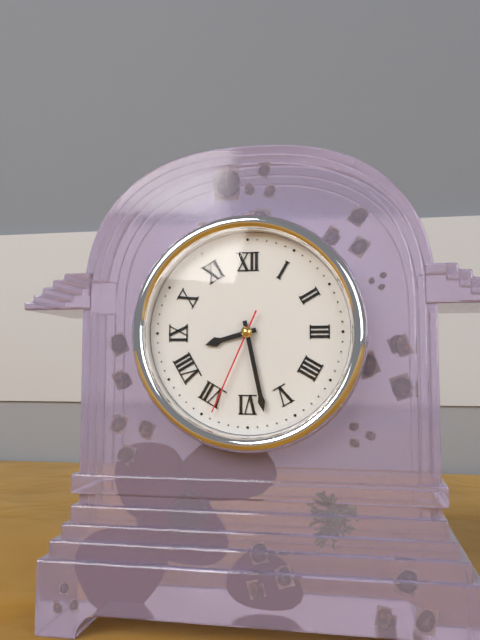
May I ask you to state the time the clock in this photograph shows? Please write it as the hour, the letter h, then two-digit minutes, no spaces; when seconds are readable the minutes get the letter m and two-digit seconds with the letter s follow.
8h28m34s
